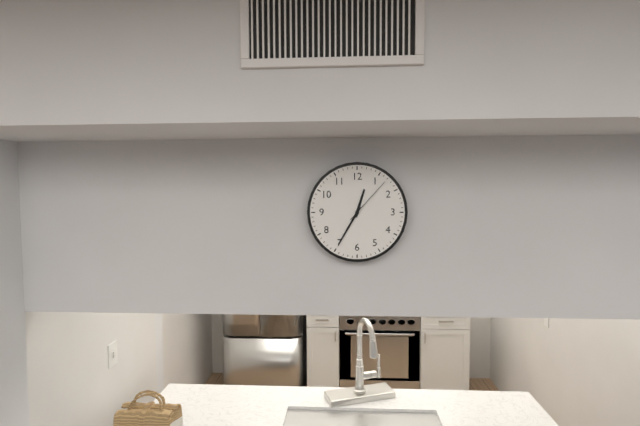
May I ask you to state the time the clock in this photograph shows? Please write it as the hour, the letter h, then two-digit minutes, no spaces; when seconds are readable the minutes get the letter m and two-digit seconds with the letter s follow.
12h35m07s
